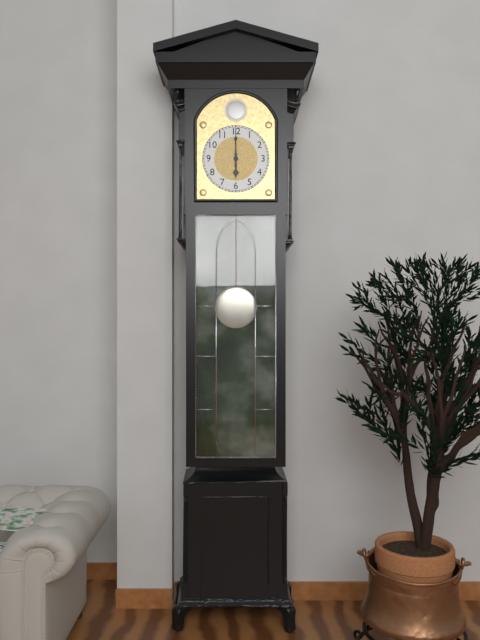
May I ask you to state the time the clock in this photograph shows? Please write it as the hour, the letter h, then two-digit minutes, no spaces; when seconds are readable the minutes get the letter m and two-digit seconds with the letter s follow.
6h00
